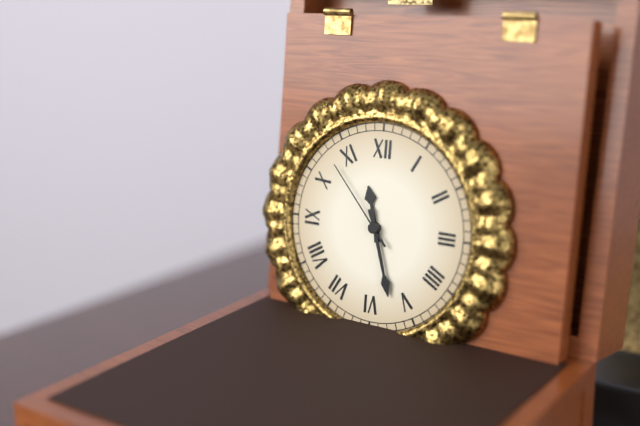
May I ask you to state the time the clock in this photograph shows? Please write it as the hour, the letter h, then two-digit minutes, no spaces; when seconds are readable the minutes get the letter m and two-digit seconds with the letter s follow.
11h27m53s
